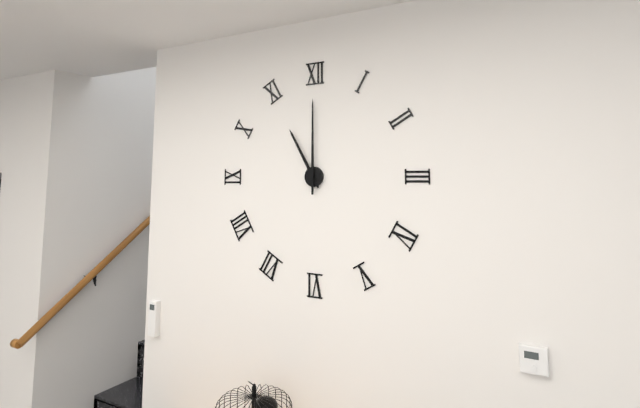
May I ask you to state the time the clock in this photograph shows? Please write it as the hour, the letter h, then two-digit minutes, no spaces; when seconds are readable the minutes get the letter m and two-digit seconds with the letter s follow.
11h00
